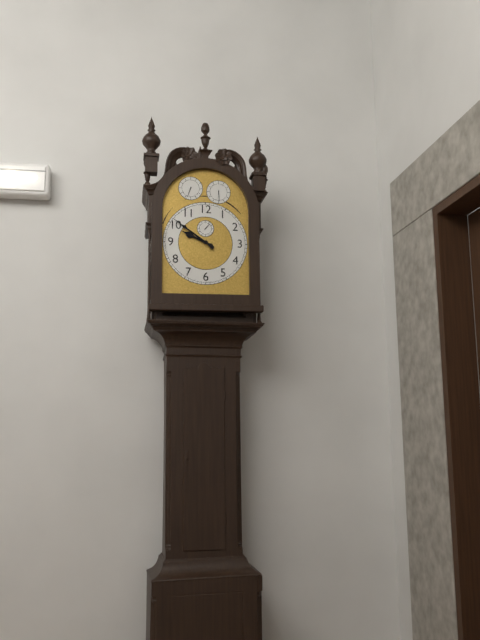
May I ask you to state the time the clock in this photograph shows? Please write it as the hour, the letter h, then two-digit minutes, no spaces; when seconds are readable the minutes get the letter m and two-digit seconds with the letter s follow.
9h51
